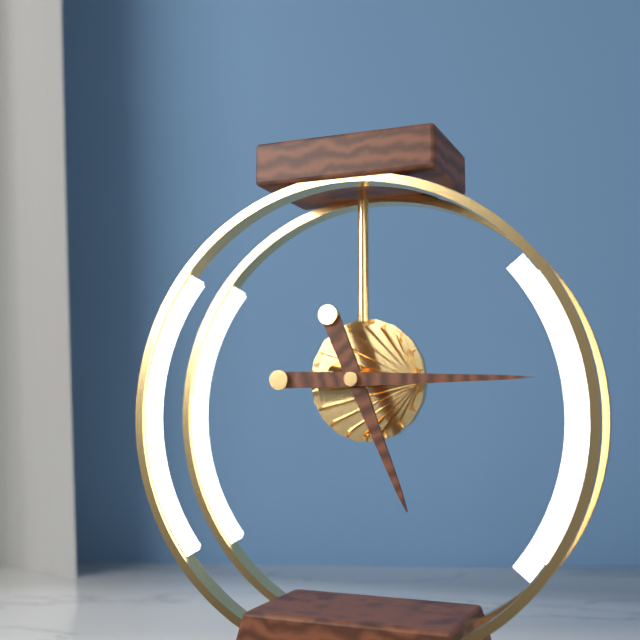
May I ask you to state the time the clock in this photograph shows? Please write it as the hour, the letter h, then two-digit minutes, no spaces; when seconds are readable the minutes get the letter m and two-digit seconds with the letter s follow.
5h15
